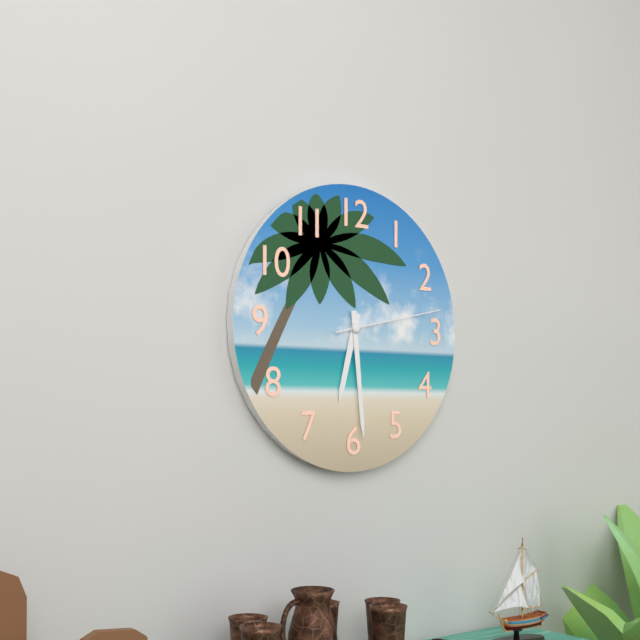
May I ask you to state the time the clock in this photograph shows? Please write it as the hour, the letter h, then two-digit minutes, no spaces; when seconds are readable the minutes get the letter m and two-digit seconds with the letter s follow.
6h29m13s
